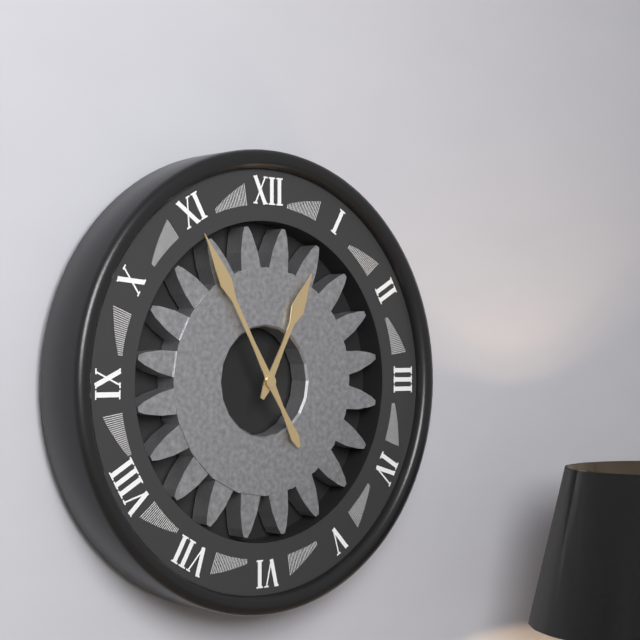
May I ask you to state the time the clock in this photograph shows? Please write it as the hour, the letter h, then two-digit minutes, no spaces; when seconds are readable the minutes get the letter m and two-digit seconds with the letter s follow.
12h55
